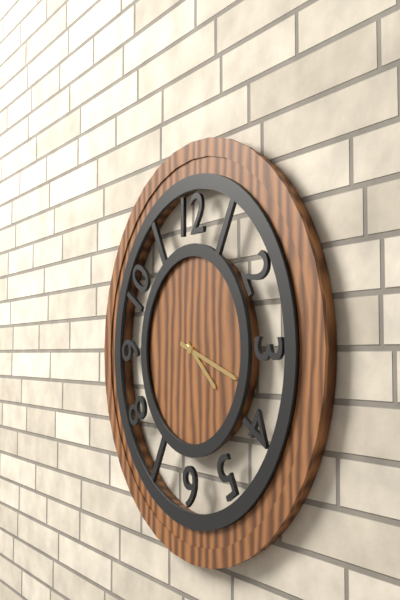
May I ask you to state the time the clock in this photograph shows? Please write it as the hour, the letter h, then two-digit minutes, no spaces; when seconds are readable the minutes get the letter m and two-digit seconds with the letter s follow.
4h18
